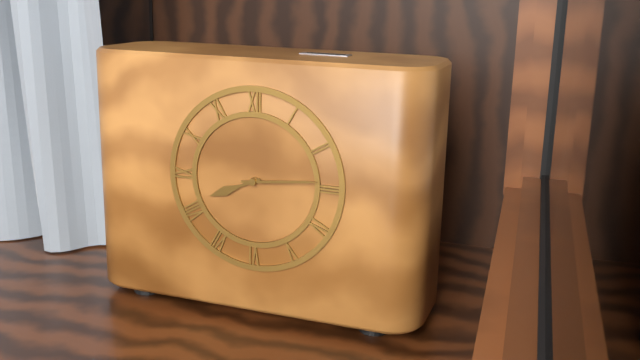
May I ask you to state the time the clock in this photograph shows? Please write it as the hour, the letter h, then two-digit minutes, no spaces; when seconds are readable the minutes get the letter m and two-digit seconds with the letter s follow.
8h14
